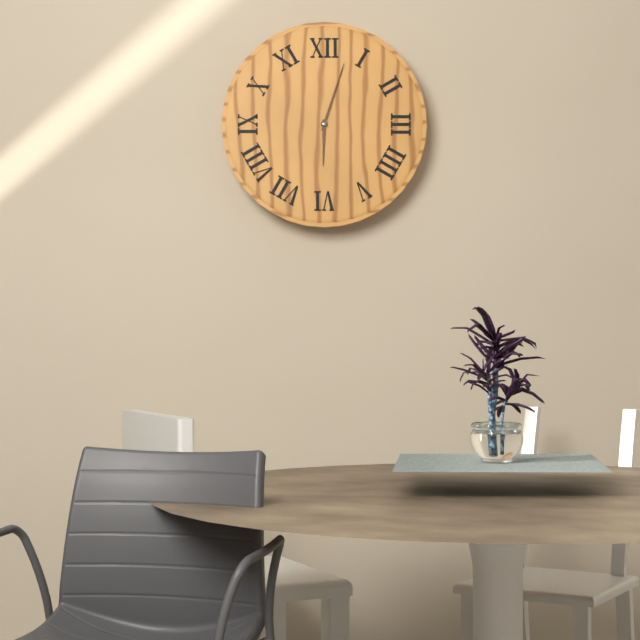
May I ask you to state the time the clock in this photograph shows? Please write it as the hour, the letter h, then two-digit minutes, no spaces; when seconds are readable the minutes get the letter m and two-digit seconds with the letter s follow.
6h03
